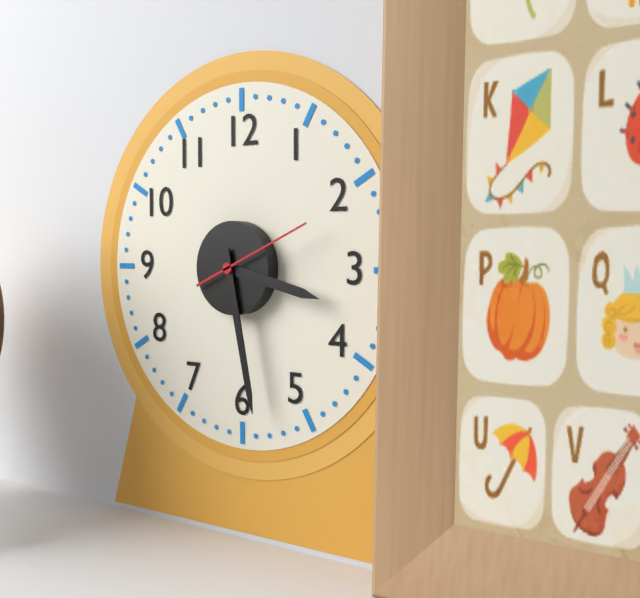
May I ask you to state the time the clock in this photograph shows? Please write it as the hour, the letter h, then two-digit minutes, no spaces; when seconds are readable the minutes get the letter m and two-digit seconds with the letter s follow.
3h28m11s
